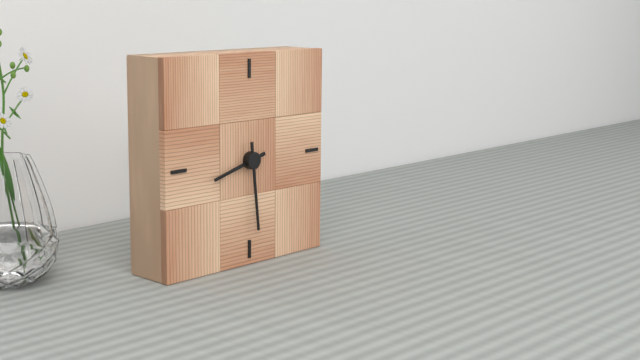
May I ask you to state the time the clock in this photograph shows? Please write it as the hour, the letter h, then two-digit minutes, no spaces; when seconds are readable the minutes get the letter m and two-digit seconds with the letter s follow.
8h29
